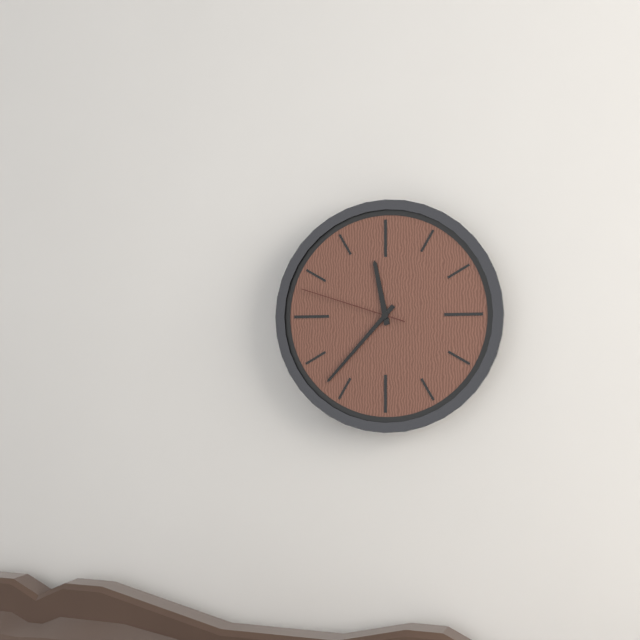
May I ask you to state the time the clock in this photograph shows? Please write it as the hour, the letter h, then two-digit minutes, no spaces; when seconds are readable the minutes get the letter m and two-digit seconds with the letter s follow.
11h37m48s
